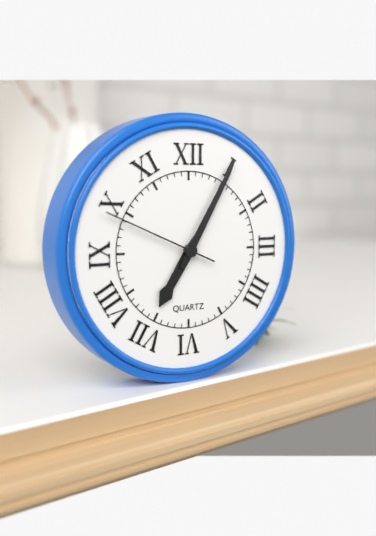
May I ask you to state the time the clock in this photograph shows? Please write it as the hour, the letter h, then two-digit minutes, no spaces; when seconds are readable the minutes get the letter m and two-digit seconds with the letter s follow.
7h05m49s
